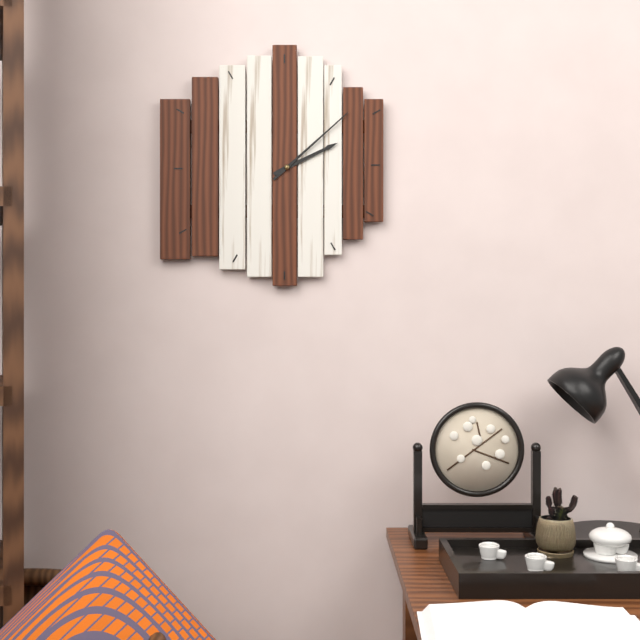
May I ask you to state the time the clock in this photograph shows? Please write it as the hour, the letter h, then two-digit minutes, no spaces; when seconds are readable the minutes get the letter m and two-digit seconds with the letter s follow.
2h08
